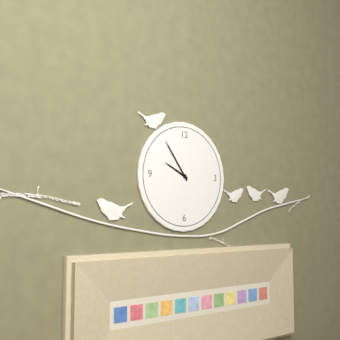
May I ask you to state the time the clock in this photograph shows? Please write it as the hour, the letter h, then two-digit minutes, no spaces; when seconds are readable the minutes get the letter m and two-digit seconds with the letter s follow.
9h54
